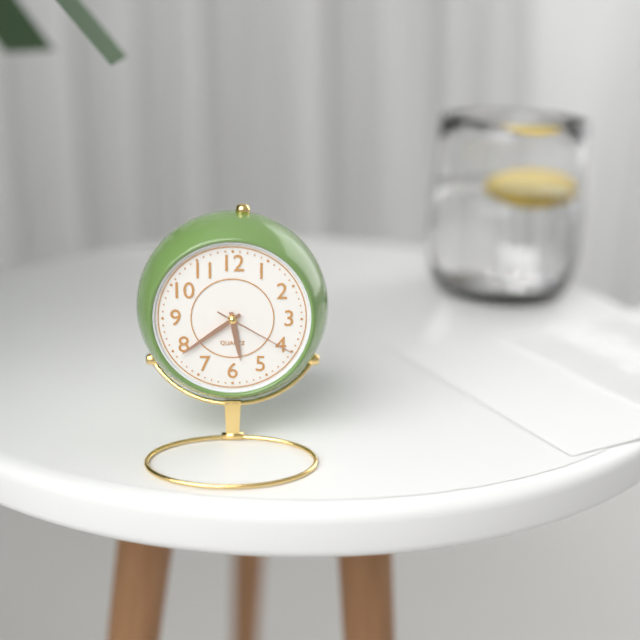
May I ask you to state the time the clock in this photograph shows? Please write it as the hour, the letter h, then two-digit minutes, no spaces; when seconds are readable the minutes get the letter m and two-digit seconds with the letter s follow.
5h39m20s
